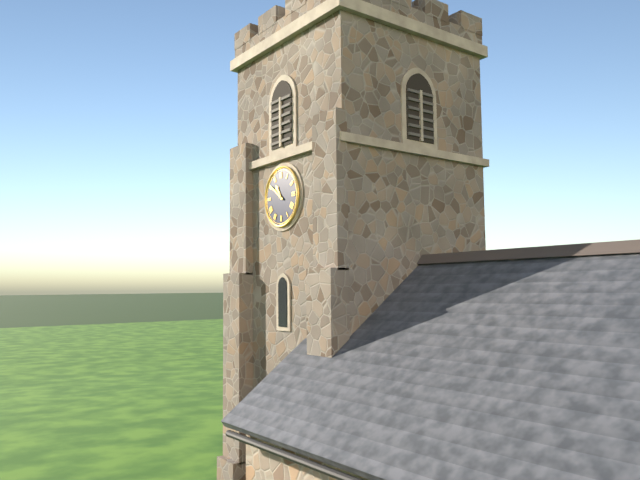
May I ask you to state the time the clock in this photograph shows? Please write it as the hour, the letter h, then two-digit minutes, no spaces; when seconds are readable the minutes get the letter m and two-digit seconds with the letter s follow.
10h51
